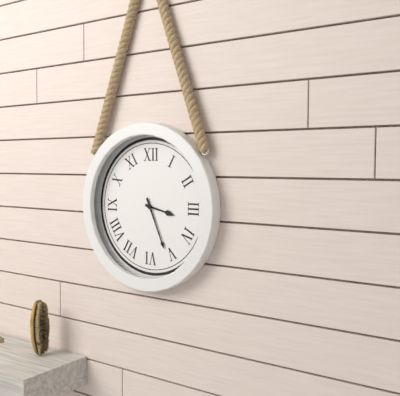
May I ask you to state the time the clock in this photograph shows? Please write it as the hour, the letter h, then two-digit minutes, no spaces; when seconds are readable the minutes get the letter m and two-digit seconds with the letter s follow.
3h26
